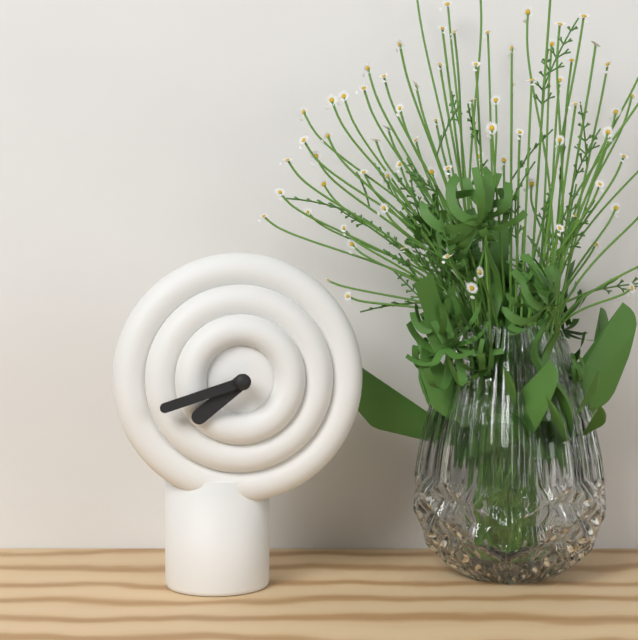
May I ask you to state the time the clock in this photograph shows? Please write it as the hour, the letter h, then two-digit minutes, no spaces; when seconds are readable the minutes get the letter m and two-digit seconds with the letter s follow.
7h42
